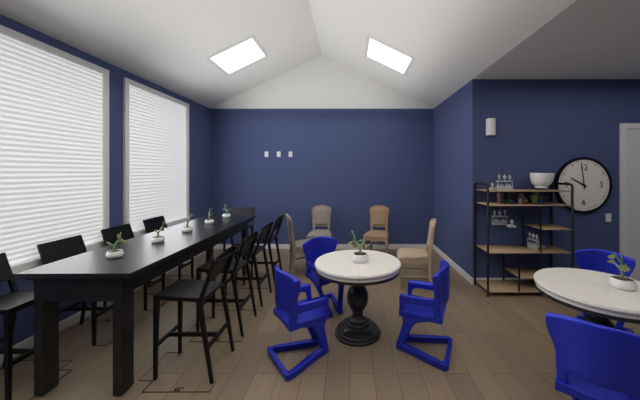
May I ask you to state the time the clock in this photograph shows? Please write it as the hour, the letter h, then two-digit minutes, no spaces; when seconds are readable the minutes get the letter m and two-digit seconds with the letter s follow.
9h59
